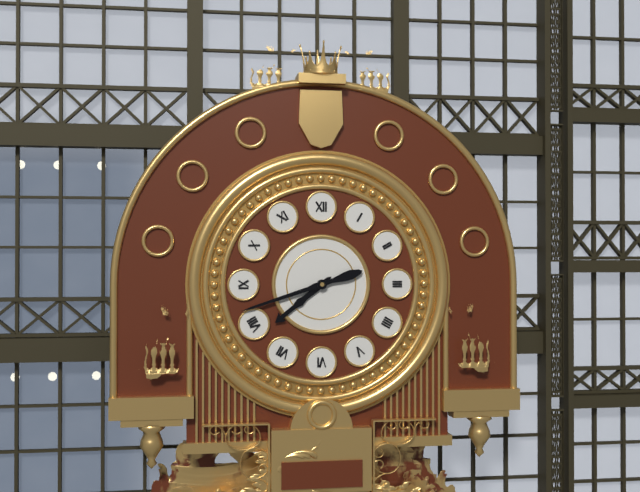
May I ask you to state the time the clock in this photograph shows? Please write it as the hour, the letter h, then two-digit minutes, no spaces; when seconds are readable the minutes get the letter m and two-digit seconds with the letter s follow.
7h42
